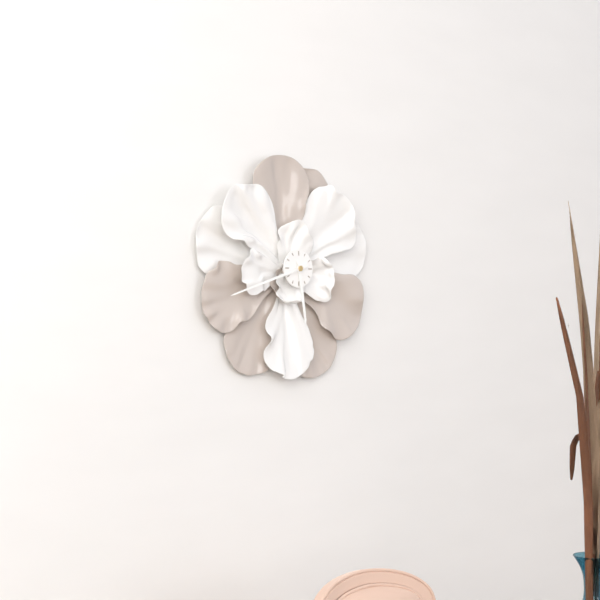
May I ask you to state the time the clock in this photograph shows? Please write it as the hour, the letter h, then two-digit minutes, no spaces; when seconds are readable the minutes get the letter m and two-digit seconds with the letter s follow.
5h42
